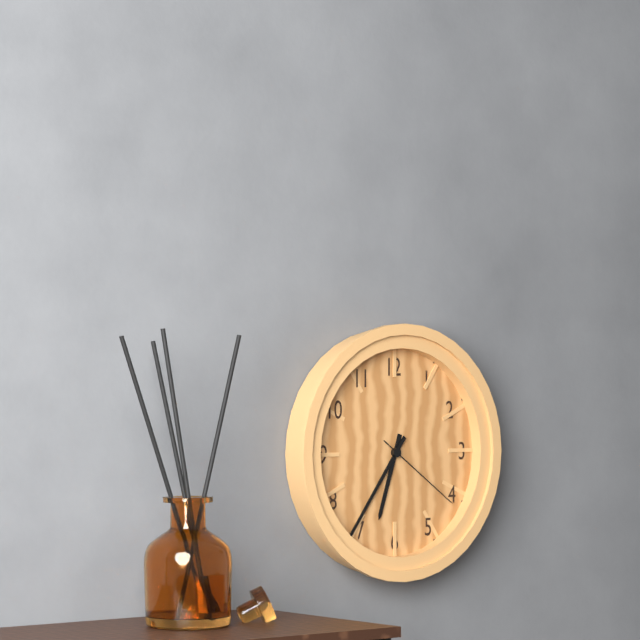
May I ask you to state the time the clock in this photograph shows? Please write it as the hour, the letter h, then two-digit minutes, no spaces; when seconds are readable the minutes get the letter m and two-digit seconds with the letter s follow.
6h36m21s
